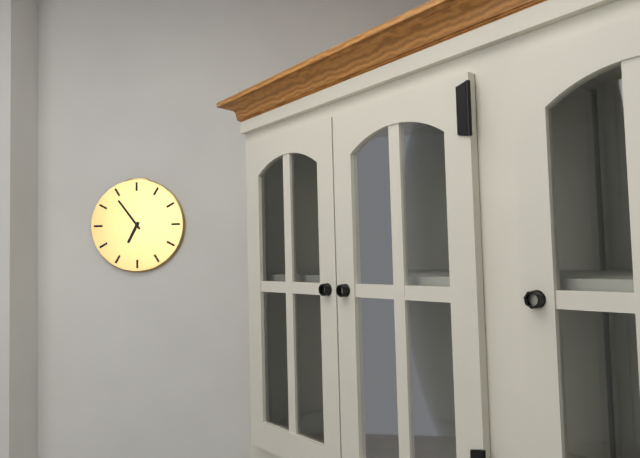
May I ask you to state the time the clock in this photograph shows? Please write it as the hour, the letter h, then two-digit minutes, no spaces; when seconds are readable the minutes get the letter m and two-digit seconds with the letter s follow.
6h54
